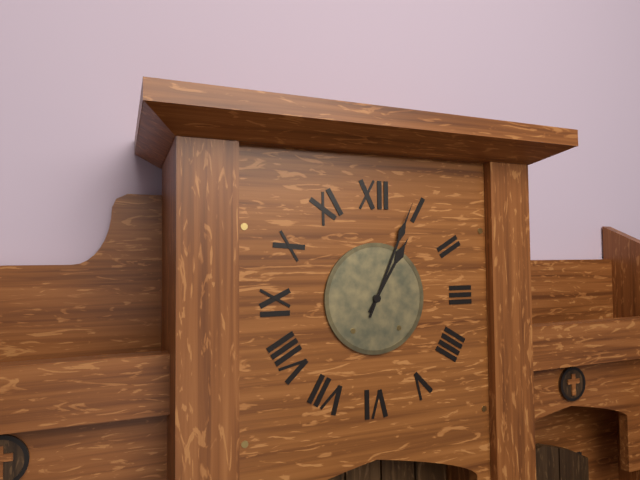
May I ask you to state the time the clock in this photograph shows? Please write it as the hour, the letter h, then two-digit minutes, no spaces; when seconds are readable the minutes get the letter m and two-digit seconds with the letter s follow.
1h04
